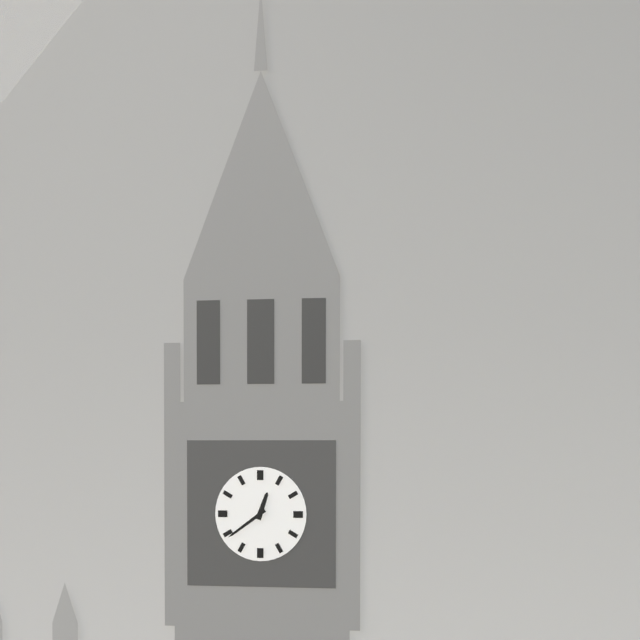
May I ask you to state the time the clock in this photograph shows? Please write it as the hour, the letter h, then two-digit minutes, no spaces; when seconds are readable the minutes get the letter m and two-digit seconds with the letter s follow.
12h39
